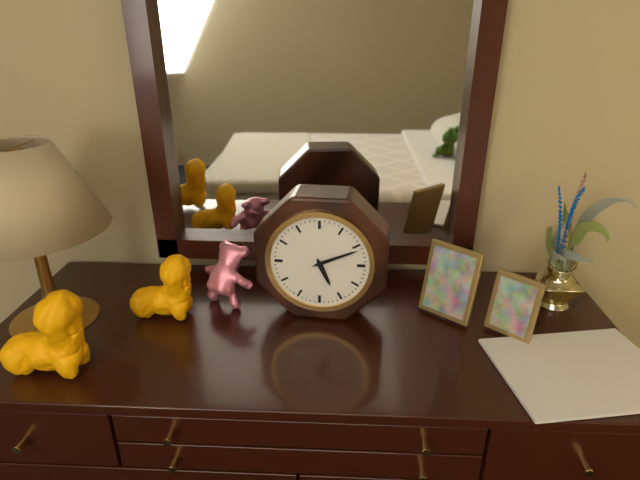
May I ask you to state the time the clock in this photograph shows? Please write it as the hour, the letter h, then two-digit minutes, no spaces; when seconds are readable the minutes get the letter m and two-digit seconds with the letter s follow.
5h11
